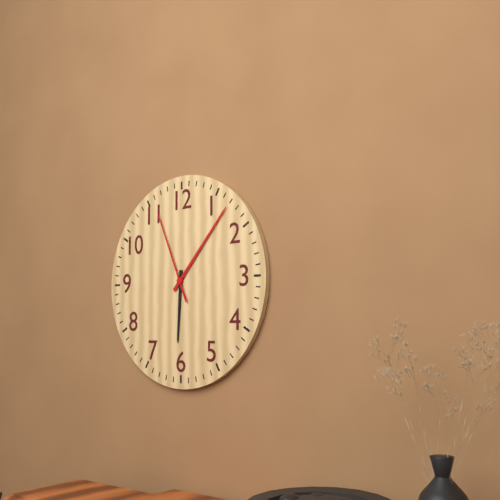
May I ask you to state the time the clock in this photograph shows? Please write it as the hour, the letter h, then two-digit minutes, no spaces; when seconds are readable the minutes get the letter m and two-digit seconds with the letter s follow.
6h07m56s
